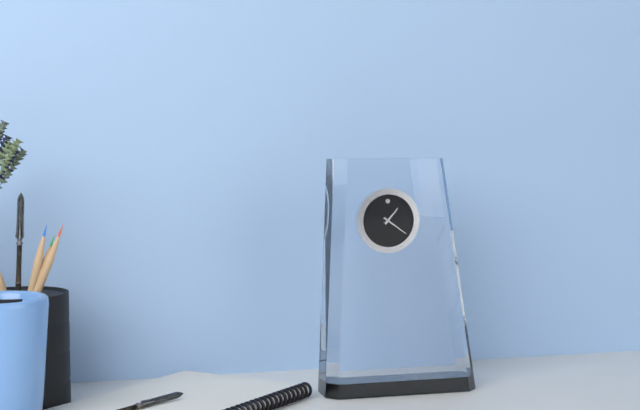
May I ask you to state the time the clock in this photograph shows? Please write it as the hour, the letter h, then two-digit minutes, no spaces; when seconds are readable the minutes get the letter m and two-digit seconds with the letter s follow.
1h21
